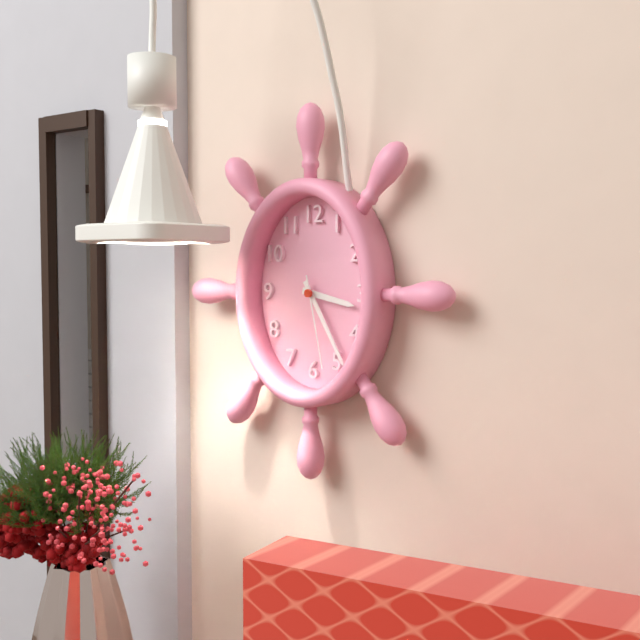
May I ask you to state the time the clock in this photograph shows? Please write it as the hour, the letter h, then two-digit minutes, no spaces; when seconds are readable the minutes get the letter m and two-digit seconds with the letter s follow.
3h25m28s
